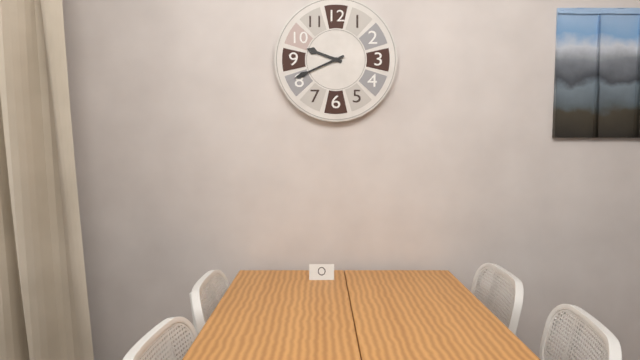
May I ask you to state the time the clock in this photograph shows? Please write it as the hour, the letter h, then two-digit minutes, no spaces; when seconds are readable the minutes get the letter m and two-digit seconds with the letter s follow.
9h41
